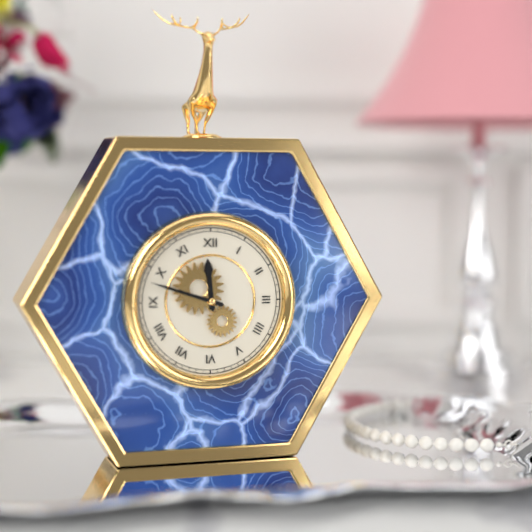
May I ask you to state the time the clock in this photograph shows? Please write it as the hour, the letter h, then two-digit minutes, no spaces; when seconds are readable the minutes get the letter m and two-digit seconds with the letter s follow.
11h48
